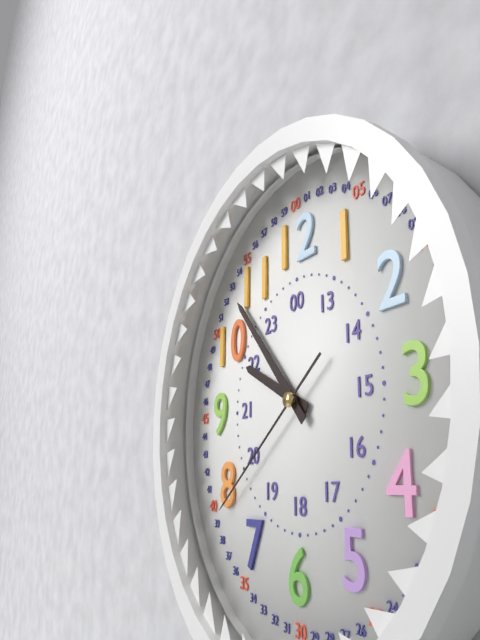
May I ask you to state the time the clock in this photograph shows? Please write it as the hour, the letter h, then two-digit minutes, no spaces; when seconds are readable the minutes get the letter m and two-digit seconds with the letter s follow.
9h53m39s
